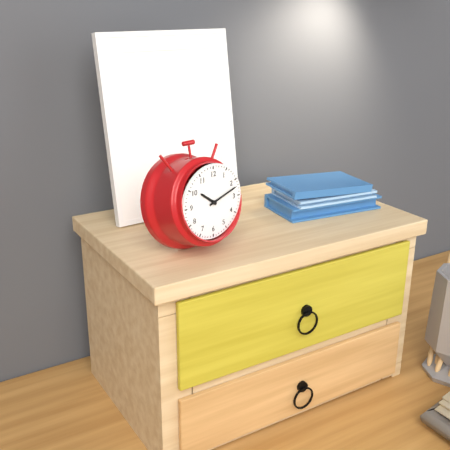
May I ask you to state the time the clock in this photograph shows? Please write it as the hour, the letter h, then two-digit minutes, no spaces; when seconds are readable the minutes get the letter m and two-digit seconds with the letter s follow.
10h12
